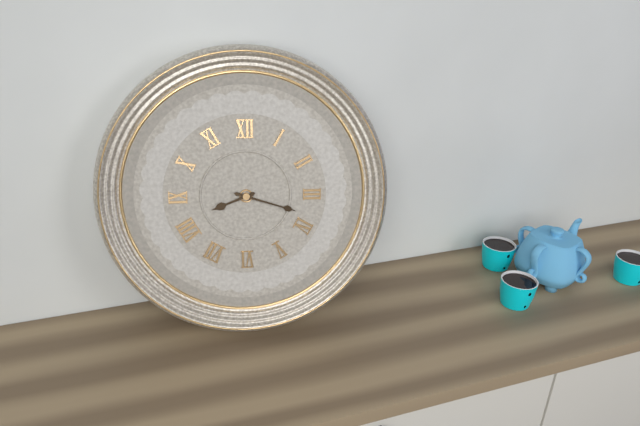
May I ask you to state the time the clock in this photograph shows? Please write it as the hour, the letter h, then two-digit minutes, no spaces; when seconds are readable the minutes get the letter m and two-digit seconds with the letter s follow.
8h18
